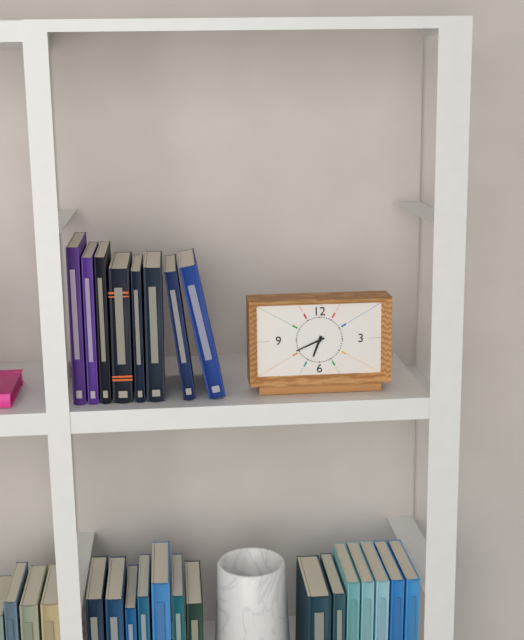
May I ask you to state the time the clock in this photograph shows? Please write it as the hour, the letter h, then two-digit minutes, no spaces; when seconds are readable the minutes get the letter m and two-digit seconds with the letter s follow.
6h41
